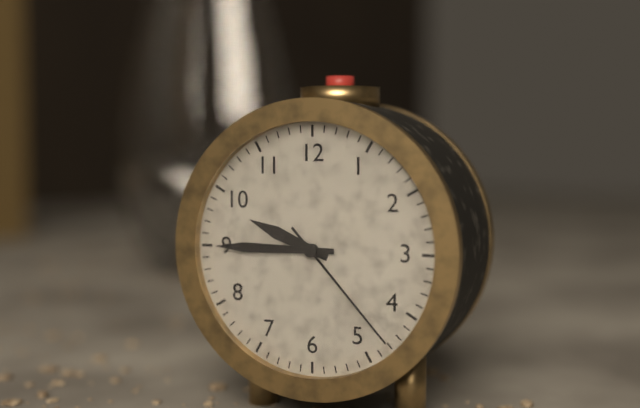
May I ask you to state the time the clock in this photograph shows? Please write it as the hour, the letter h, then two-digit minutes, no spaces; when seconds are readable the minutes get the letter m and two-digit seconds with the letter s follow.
9h45m23s
